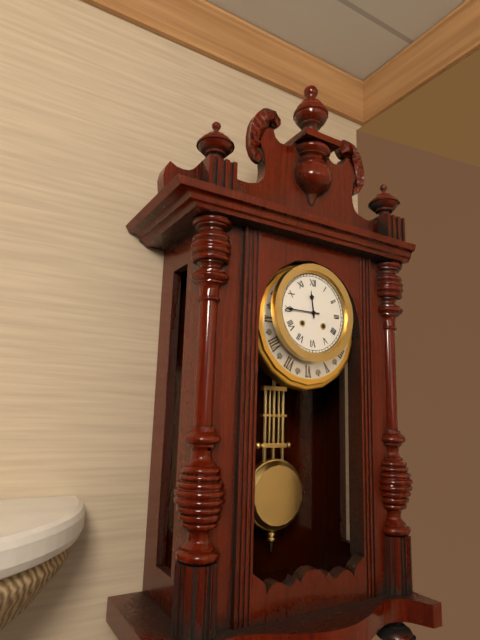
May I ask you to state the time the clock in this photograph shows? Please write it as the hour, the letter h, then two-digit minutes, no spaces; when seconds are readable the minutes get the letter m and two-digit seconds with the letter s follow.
11h45
